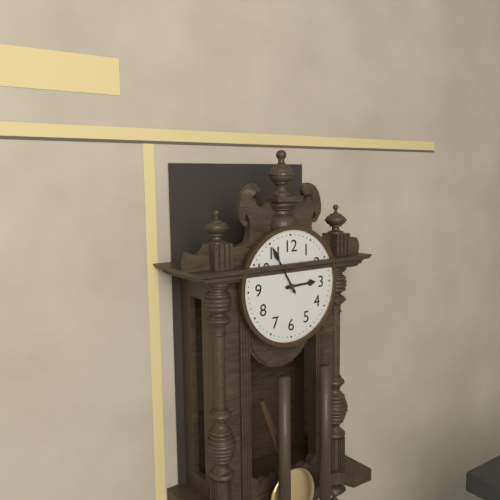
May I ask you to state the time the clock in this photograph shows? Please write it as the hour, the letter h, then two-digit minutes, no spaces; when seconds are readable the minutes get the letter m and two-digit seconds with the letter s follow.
2h55
